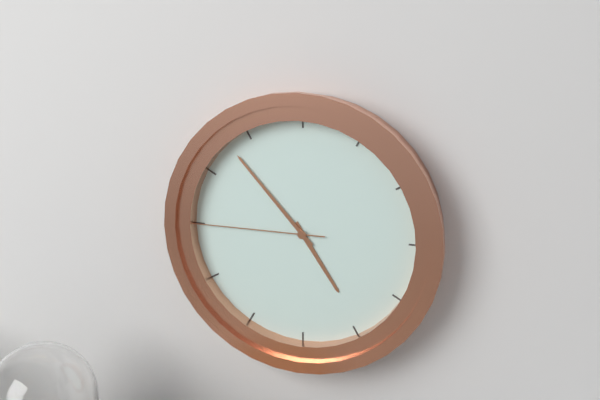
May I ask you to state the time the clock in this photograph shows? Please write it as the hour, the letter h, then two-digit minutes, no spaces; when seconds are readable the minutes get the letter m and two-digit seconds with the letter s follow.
4h53m45s
